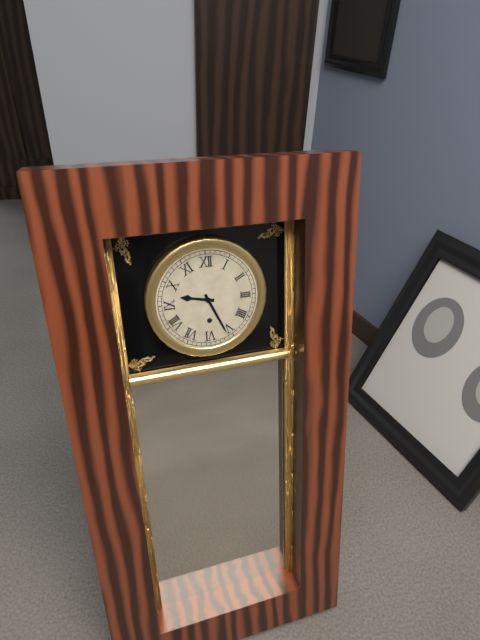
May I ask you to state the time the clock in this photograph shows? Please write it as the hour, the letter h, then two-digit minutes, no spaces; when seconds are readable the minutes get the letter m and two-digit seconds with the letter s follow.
9h26
